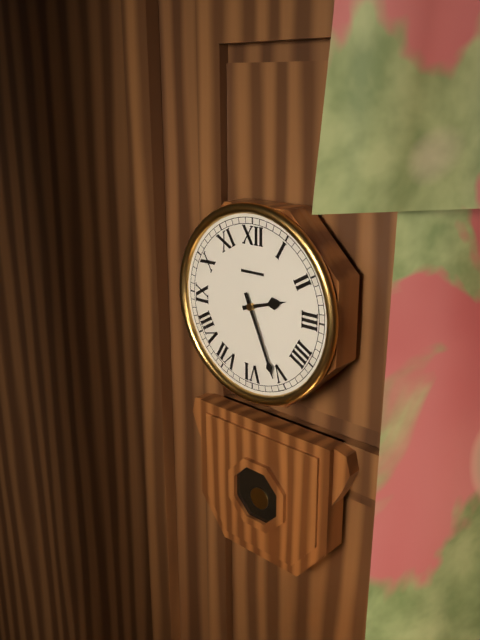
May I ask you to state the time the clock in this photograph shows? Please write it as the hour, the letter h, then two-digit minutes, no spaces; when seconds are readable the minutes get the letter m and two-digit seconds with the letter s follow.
2h26
